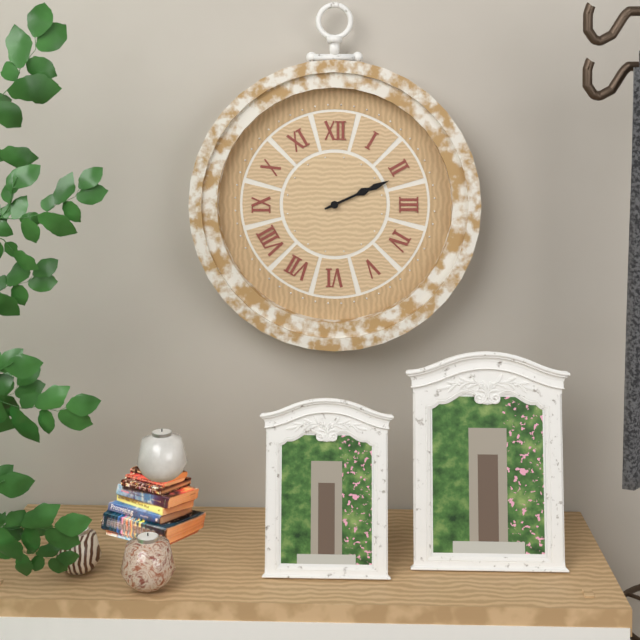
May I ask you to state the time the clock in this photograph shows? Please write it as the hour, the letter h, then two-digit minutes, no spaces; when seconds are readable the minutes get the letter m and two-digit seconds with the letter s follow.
2h11
